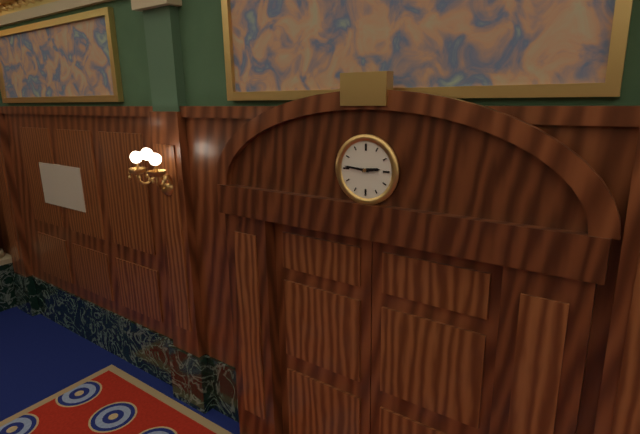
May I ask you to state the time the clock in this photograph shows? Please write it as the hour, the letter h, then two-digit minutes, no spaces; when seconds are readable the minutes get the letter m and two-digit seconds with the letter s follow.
2h46
